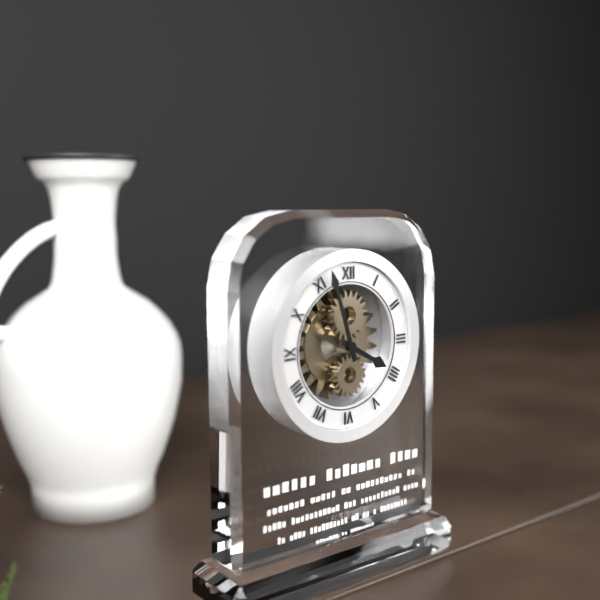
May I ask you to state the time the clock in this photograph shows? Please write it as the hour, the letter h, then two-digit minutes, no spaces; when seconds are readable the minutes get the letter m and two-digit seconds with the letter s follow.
3h57
